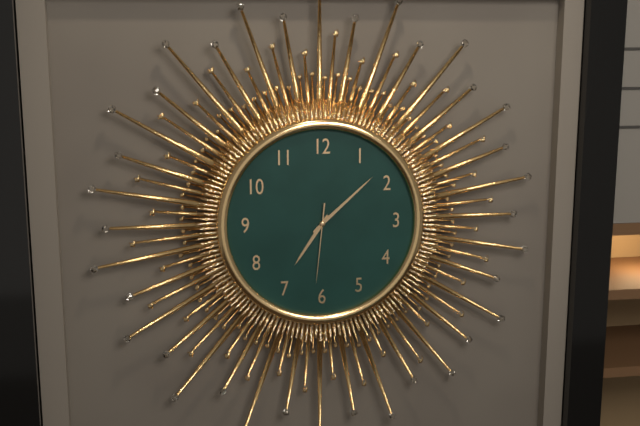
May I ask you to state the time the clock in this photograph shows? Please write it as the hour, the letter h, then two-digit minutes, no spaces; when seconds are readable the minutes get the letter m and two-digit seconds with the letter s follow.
7h08m31s
